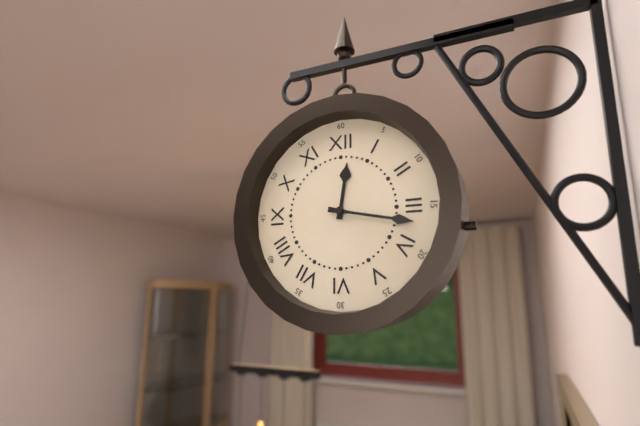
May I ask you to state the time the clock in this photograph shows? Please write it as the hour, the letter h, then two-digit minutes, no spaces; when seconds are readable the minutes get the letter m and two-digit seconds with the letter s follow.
12h17
